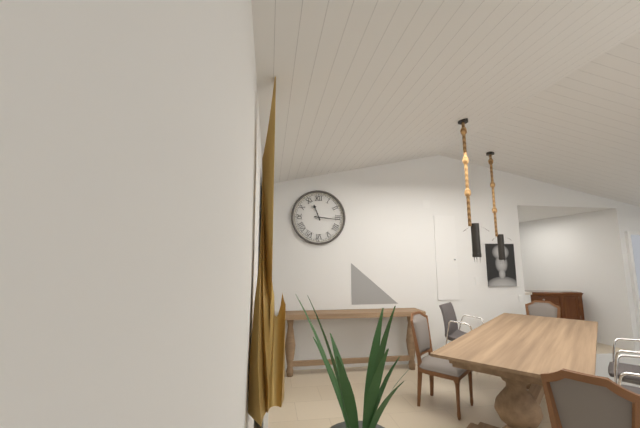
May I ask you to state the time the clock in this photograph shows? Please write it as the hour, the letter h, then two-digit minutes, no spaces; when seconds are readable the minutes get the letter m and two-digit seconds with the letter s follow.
11h16
